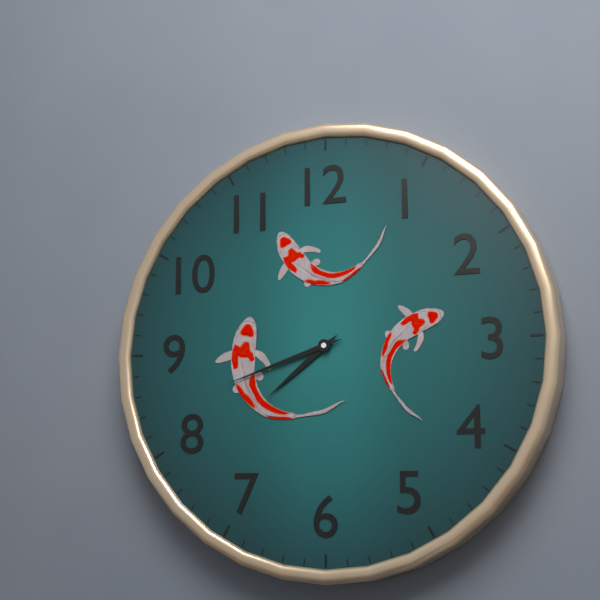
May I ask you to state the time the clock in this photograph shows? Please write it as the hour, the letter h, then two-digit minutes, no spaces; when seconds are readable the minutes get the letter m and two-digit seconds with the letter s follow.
7h42
